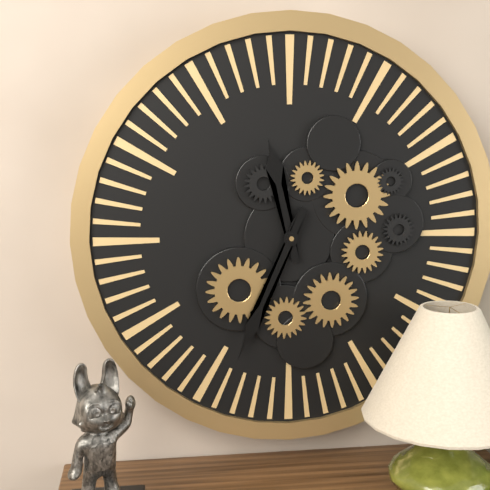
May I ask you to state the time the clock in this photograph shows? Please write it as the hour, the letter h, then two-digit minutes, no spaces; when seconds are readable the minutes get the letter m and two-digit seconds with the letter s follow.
11h34
